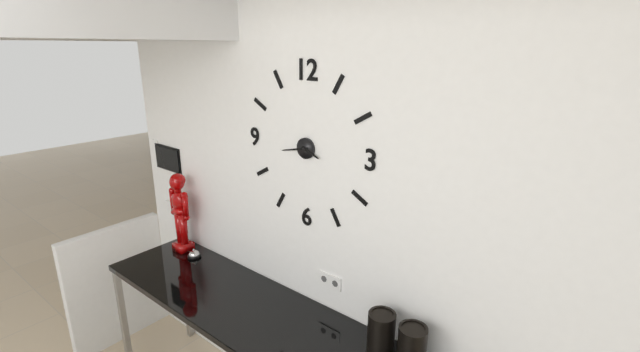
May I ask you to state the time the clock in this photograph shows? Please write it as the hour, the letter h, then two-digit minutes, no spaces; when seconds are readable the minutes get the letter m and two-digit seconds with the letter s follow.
3h43
